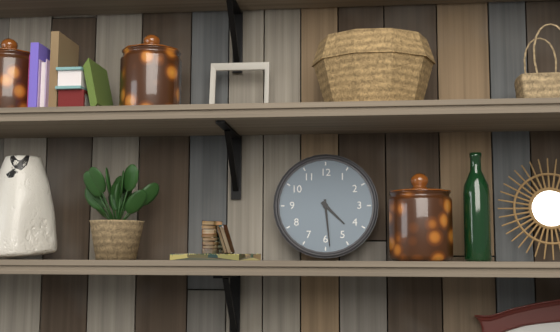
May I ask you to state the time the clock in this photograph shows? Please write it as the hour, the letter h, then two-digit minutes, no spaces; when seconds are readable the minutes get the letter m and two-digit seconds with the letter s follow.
4h29
